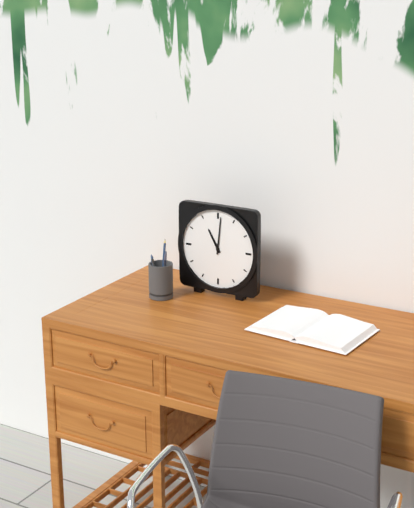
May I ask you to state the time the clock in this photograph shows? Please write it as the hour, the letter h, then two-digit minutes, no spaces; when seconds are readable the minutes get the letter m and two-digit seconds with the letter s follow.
11h01
